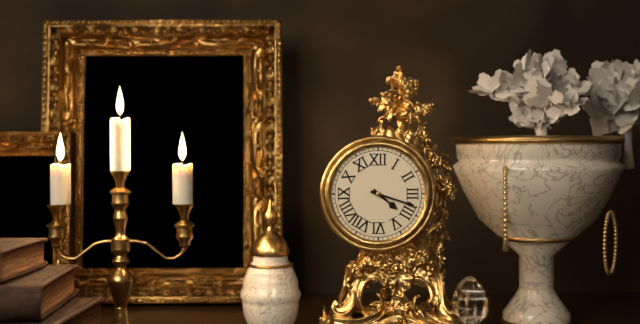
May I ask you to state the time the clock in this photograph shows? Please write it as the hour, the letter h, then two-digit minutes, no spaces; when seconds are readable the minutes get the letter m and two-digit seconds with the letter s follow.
4h18
